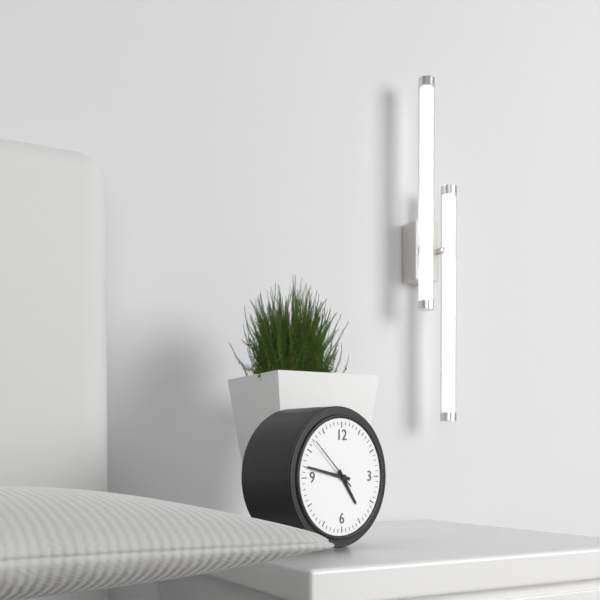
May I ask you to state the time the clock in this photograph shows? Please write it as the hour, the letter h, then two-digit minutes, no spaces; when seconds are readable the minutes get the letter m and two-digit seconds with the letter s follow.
4h47m52s
